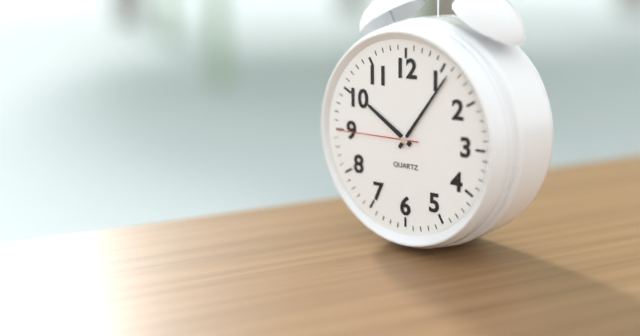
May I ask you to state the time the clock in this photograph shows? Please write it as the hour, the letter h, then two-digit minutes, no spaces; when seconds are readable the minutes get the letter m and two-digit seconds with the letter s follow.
10h06m45s
